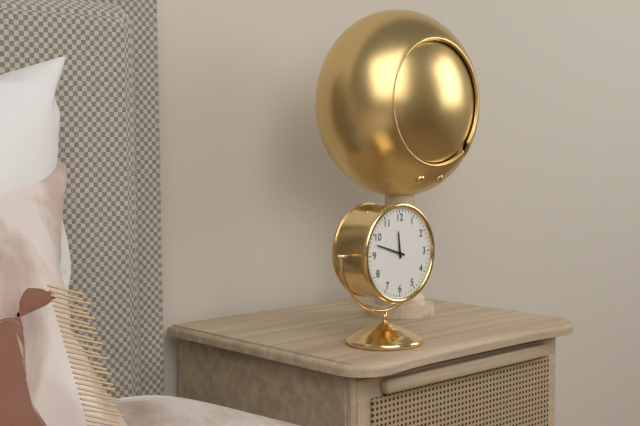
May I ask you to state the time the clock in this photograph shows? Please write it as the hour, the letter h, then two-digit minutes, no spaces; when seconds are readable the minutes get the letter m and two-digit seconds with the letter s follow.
11h48
